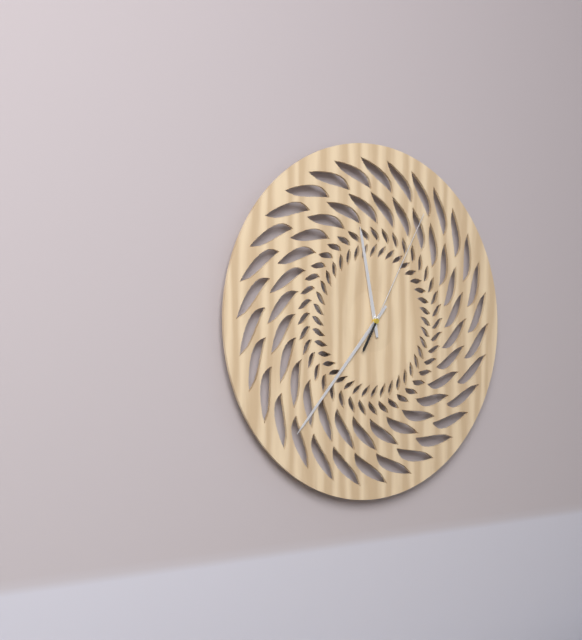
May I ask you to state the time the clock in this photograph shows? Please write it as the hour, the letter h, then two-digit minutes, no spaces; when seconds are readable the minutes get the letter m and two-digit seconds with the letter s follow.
11h37m05s
